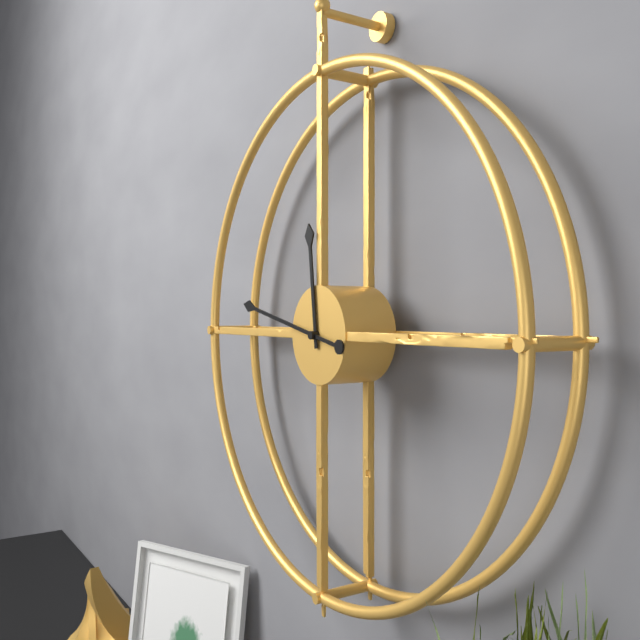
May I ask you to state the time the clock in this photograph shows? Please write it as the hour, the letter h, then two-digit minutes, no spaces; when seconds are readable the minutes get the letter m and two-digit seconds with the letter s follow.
11h47
